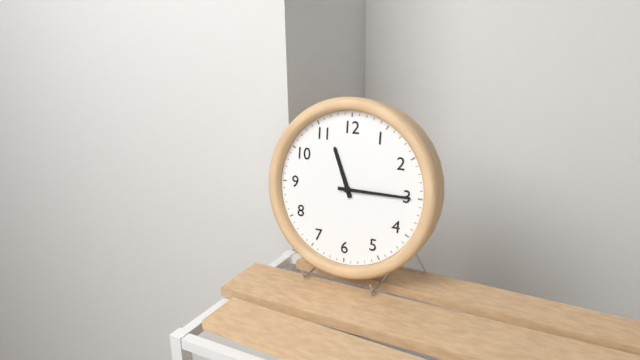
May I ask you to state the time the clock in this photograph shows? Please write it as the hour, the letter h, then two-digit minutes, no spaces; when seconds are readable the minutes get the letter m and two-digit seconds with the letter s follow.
11h15
